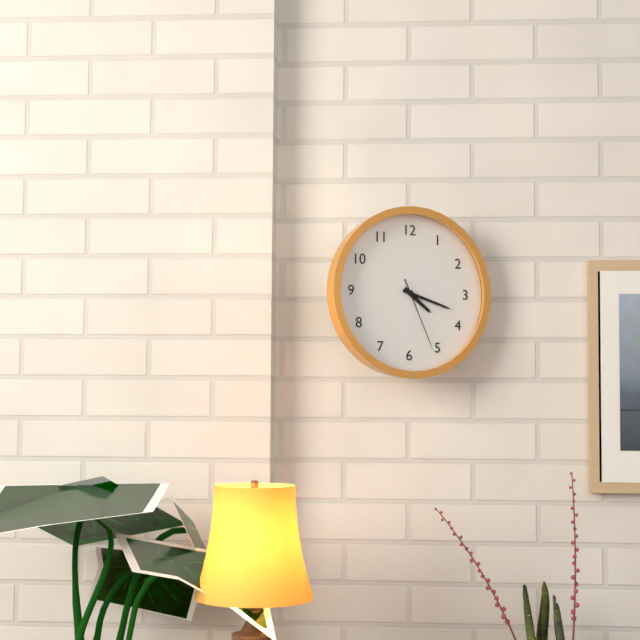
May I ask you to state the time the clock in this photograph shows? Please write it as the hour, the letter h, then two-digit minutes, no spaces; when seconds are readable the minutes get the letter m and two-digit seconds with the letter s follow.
4h18m26s
